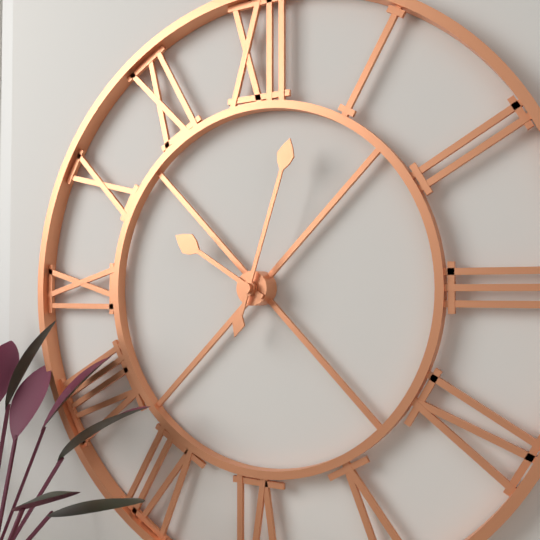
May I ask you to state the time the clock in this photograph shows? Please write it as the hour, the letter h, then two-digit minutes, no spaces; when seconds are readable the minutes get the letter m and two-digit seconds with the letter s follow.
10h03
